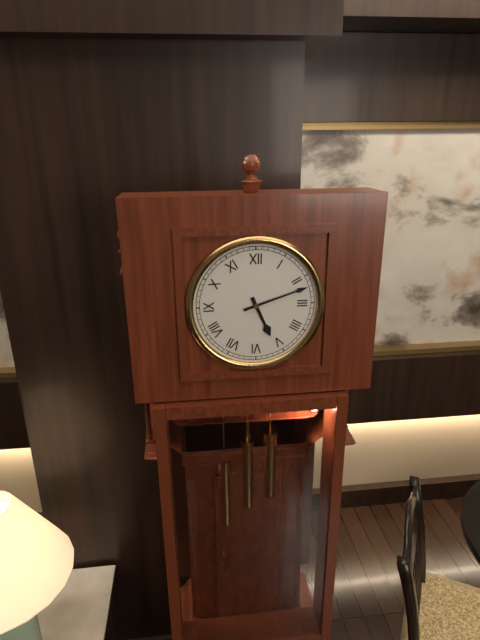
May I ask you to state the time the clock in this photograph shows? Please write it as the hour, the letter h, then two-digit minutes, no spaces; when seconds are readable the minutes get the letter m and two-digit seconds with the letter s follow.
5h12
